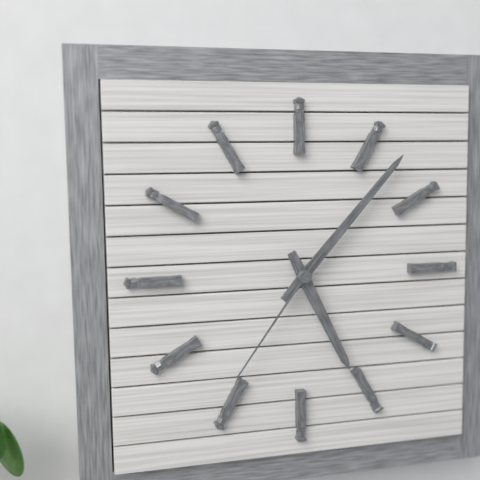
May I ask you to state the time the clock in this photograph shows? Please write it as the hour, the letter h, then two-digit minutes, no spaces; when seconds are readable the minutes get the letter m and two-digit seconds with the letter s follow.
5h07m36s
